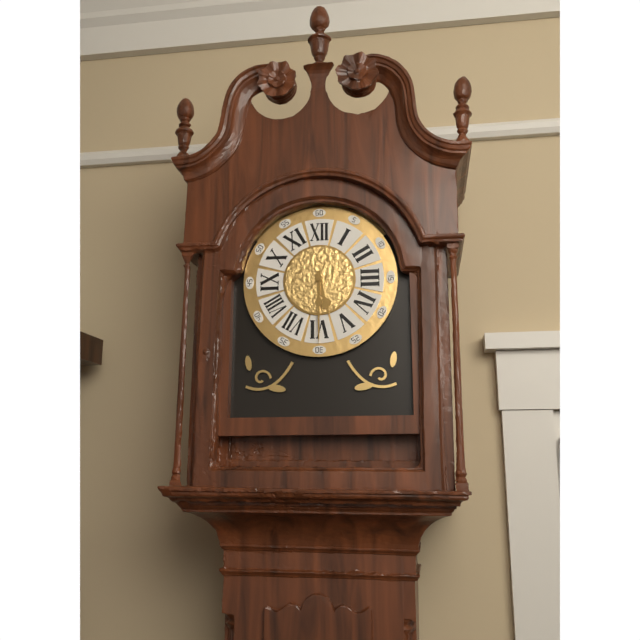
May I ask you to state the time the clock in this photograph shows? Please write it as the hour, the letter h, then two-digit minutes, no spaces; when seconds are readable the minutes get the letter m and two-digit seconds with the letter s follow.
5h30
